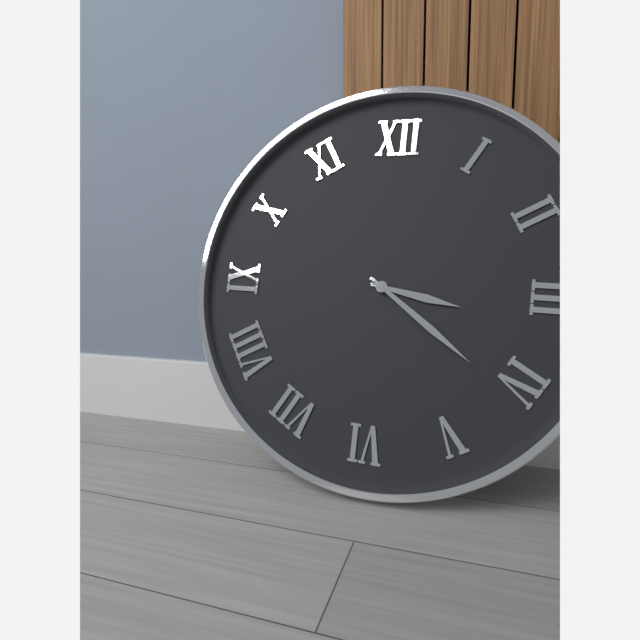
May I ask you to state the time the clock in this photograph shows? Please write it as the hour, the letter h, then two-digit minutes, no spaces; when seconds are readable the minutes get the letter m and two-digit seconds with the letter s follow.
3h21
